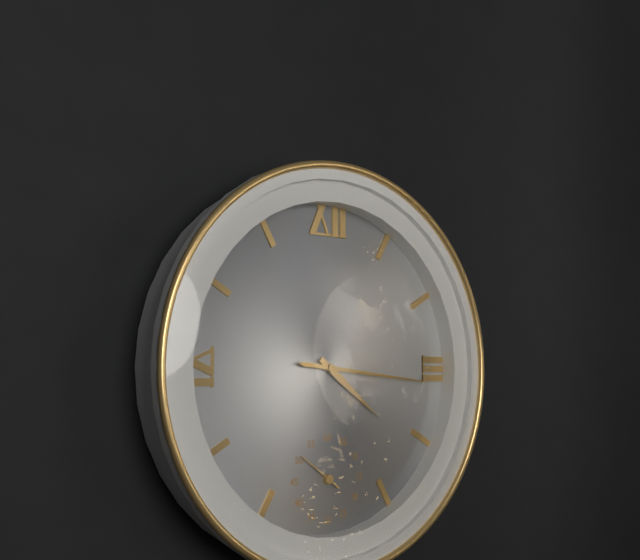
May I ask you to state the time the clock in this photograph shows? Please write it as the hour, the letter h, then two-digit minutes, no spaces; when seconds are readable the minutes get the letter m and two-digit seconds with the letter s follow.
4h16
